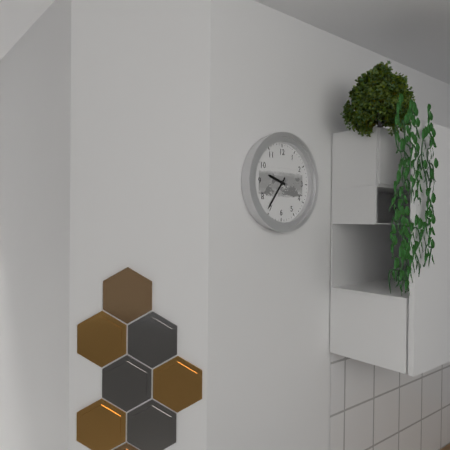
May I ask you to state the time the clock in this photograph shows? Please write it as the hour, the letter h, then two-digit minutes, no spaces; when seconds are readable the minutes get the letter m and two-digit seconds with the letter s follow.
9h36
